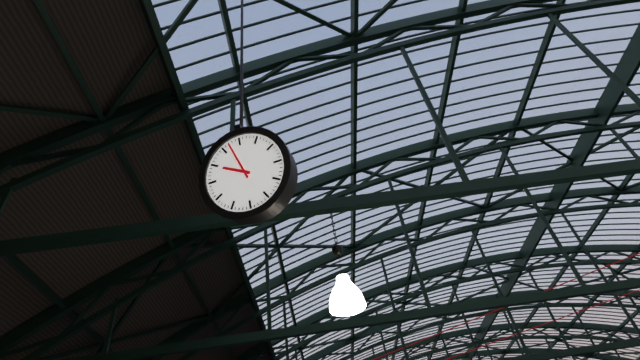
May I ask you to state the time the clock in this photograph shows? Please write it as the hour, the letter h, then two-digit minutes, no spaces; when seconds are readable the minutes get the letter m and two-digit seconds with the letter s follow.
9h57
